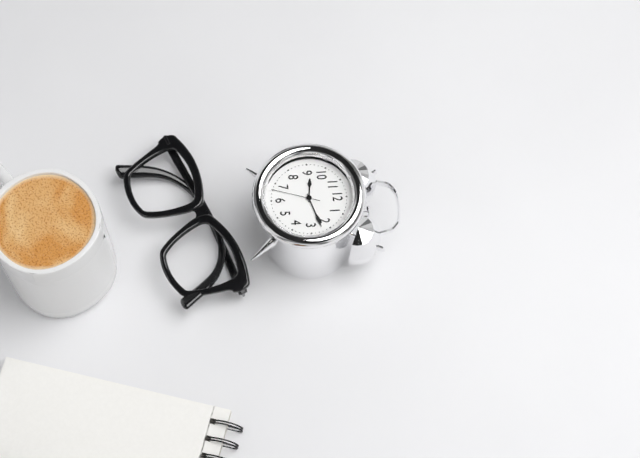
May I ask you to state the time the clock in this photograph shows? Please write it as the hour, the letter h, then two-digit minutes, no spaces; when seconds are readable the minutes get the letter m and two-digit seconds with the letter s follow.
9h12
